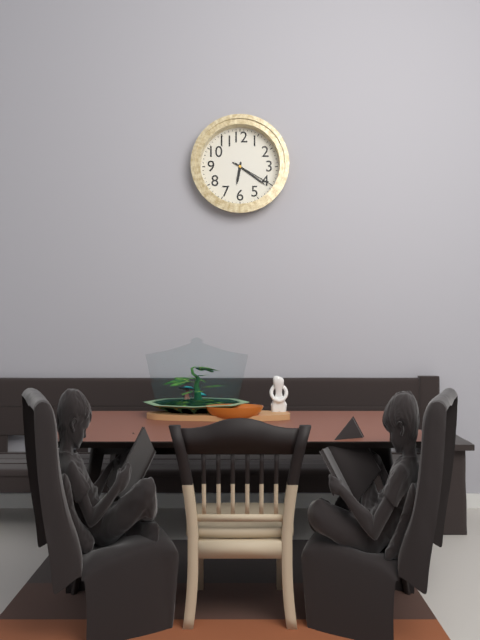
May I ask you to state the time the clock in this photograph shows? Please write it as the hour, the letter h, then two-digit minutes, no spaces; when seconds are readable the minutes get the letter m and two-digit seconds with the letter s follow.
6h21
